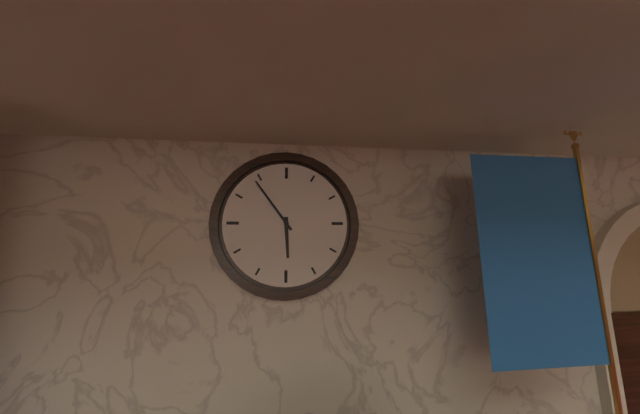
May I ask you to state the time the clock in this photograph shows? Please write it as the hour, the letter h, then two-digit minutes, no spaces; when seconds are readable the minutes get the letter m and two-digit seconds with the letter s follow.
5h54
